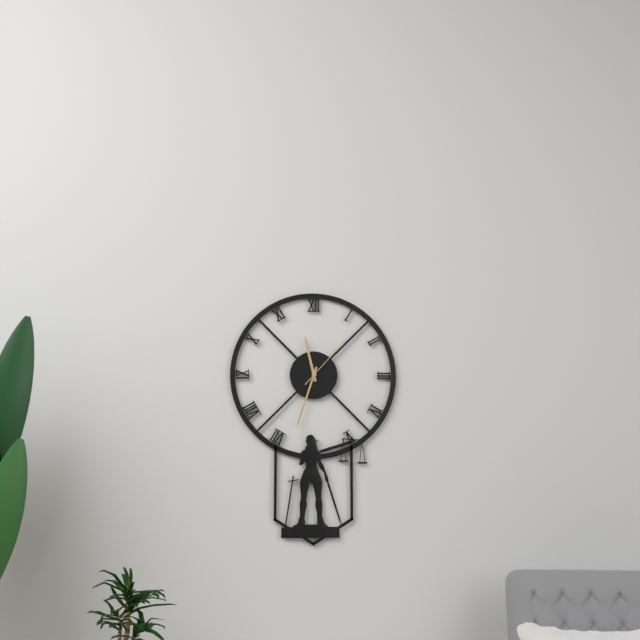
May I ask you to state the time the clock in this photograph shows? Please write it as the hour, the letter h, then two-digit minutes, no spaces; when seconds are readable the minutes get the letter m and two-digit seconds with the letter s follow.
11h33m07s
